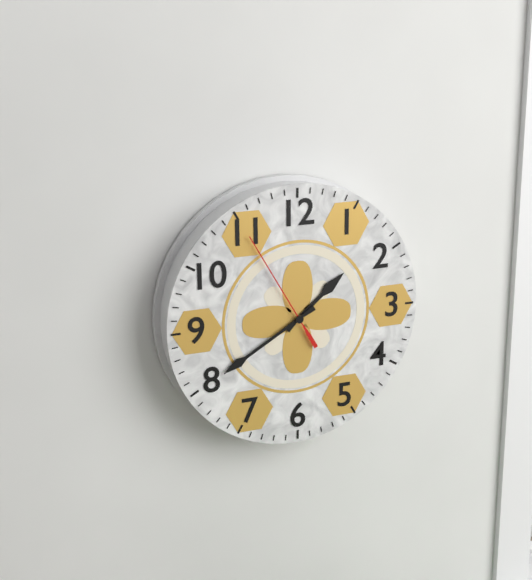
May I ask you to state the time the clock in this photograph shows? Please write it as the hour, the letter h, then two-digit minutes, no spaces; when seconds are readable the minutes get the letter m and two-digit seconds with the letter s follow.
1h40m55s
